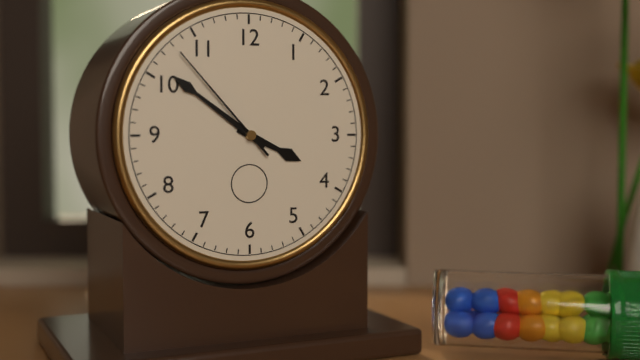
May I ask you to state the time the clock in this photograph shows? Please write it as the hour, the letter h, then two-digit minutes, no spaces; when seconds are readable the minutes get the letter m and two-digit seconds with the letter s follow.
3h51m53s
